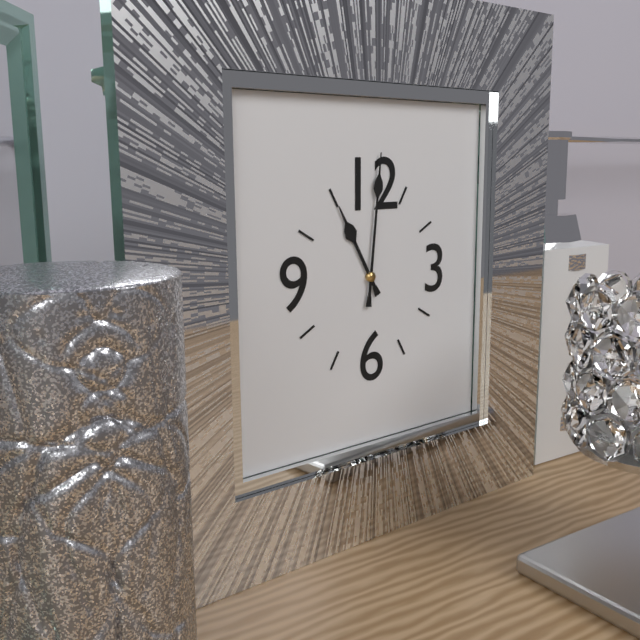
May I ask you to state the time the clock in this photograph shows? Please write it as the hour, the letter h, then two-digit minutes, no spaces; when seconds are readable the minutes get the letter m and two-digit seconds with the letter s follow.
11h01
